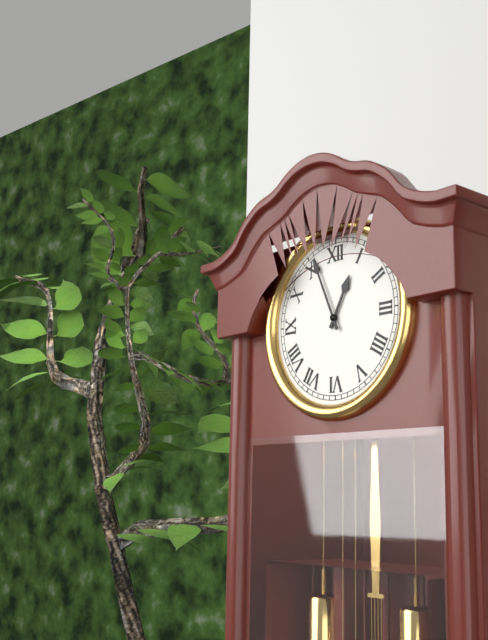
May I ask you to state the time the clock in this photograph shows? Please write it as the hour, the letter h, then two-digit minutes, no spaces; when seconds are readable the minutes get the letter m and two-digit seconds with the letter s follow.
12h56
